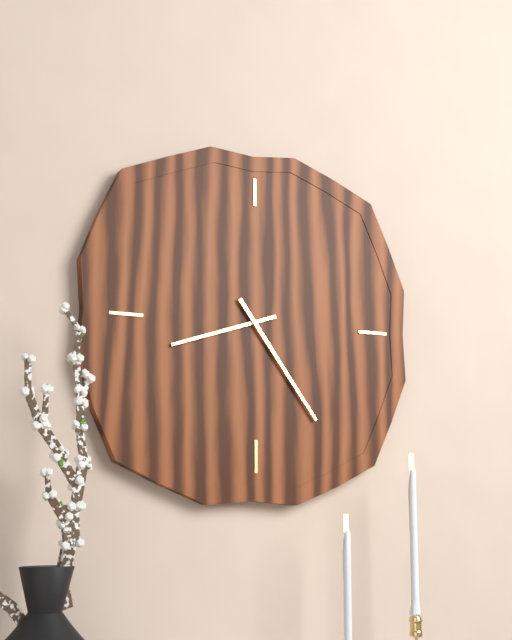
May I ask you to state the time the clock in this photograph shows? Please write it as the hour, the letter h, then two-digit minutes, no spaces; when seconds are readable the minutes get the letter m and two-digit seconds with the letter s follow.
8h24
